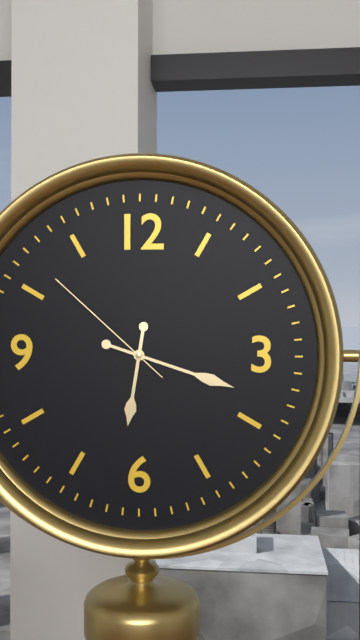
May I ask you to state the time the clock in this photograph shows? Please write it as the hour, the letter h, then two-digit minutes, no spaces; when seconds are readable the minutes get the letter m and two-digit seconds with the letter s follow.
6h18m52s
